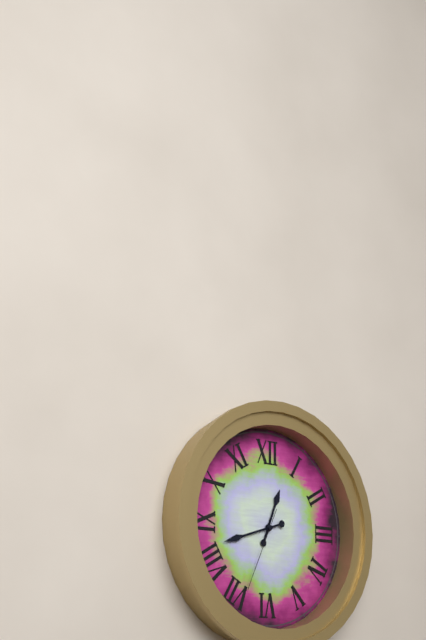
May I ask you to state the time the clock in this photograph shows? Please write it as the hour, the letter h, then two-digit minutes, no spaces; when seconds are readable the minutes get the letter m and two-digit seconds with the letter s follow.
12h42m34s
